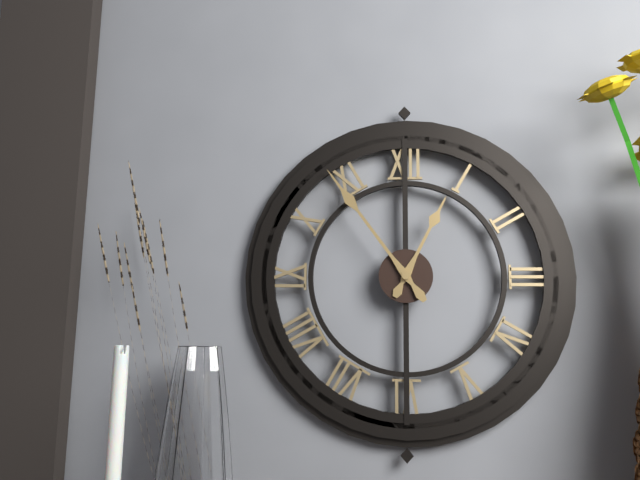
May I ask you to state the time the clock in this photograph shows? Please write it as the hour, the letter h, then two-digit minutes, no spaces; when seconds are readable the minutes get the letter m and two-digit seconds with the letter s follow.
12h54
